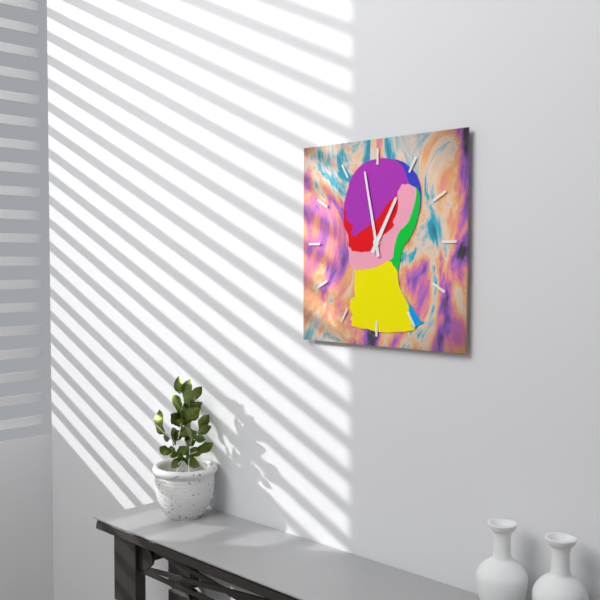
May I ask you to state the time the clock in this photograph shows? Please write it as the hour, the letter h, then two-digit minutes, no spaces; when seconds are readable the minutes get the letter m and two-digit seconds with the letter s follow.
12h58
